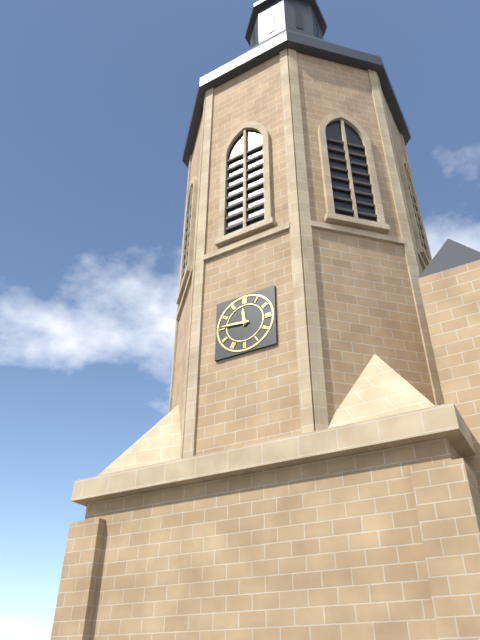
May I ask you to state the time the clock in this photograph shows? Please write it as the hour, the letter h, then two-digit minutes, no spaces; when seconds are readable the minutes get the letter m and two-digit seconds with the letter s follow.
11h46
